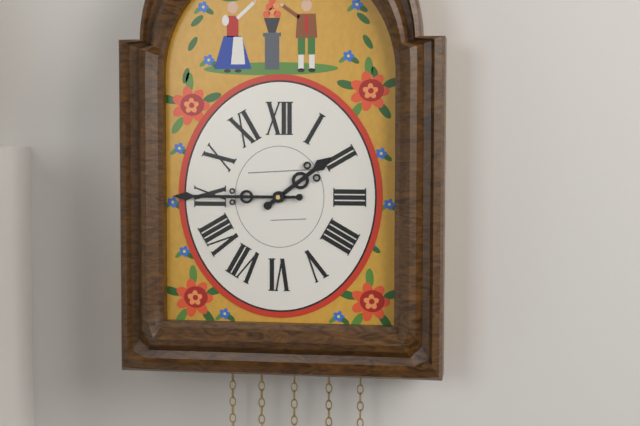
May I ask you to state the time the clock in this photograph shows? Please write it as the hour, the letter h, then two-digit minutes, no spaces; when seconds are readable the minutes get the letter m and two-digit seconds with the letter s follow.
1h45
